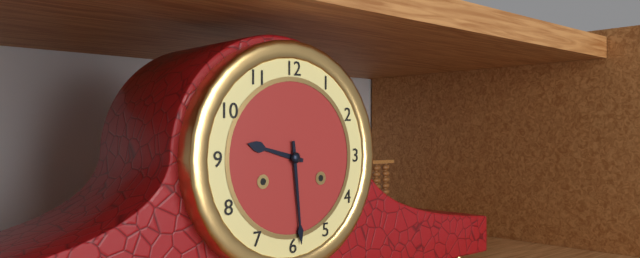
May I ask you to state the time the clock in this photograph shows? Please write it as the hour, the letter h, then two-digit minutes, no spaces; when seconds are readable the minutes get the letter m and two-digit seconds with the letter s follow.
9h29
